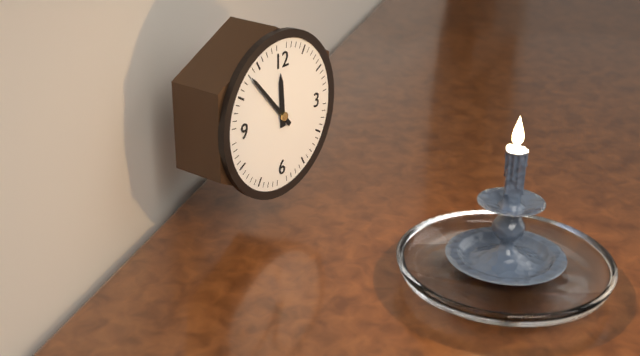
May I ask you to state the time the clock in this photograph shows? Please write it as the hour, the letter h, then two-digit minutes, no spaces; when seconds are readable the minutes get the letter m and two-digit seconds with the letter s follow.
11h53
